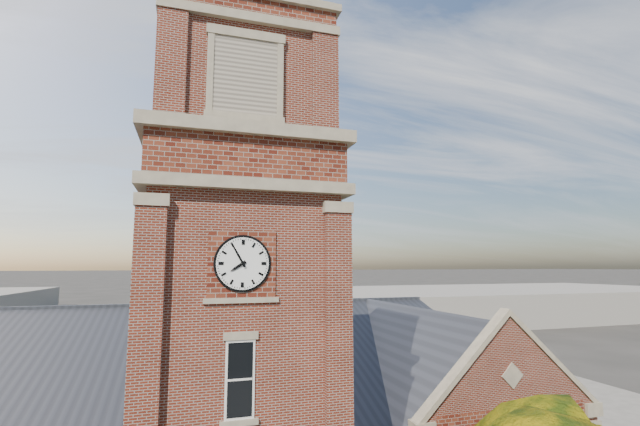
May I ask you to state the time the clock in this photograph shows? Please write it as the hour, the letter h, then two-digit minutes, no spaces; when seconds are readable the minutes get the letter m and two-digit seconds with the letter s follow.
7h55
